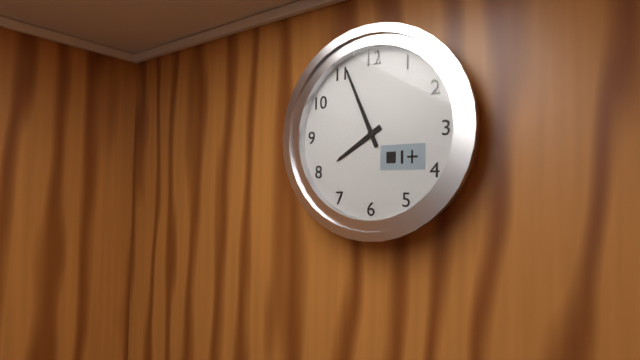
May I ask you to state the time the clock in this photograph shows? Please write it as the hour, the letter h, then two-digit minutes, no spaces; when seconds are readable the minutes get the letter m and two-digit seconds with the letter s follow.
7h56
